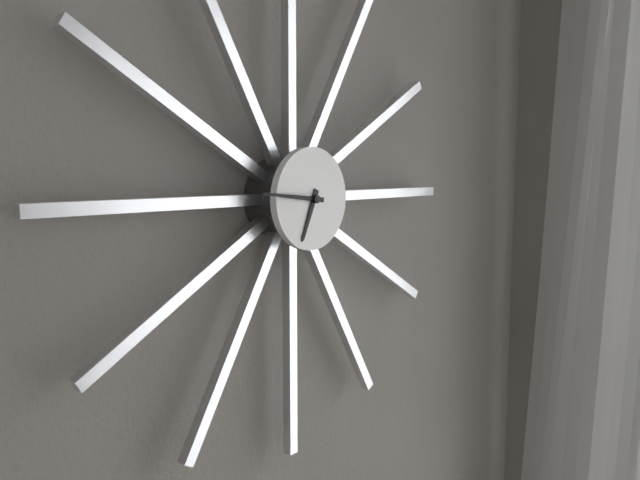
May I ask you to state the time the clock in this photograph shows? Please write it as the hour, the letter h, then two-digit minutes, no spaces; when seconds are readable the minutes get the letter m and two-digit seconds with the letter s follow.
6h46
